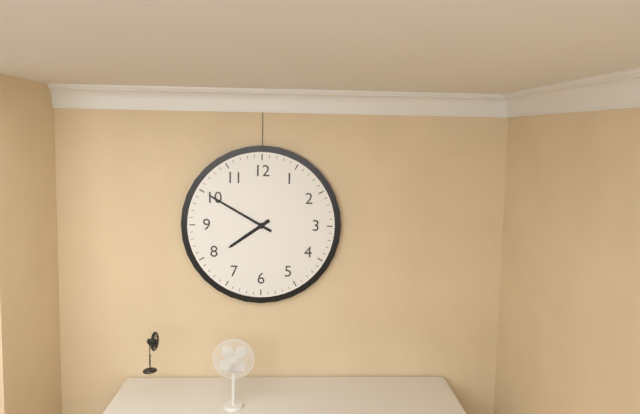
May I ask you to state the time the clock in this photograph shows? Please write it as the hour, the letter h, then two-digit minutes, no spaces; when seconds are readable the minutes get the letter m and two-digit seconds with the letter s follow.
7h50
